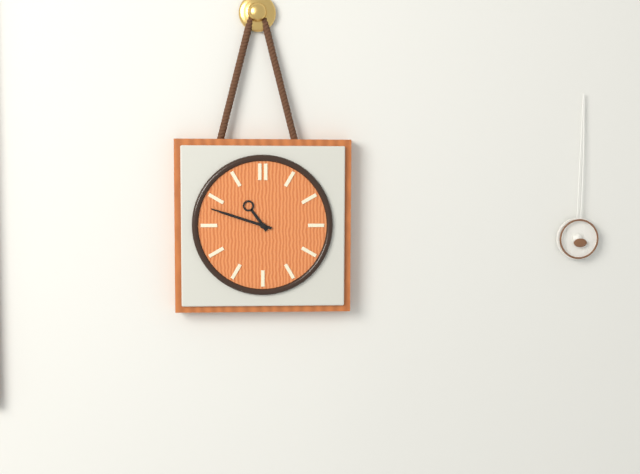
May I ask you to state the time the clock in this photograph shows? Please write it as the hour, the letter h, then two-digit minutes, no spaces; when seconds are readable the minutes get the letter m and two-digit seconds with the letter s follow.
10h48
